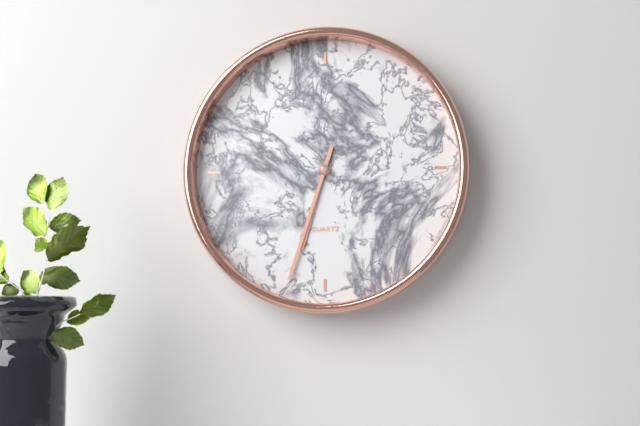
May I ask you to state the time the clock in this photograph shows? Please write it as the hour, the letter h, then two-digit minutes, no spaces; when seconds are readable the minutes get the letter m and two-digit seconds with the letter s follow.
6h33
